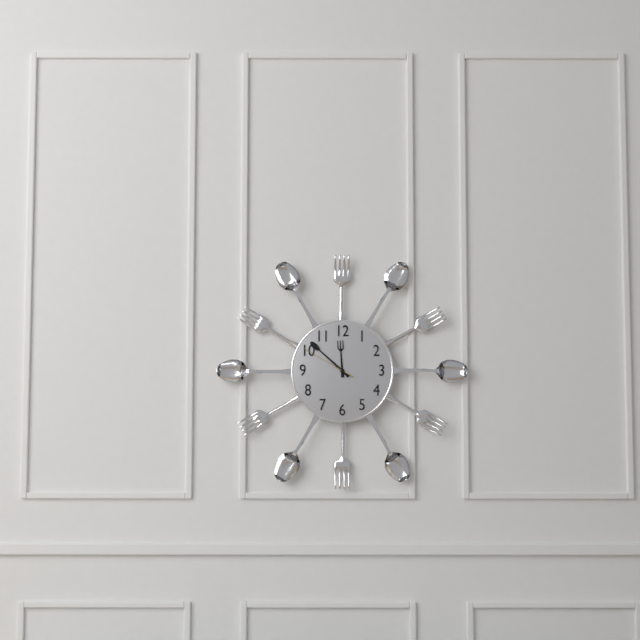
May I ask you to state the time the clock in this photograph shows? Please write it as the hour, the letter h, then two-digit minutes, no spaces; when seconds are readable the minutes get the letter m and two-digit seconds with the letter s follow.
11h52m50s
